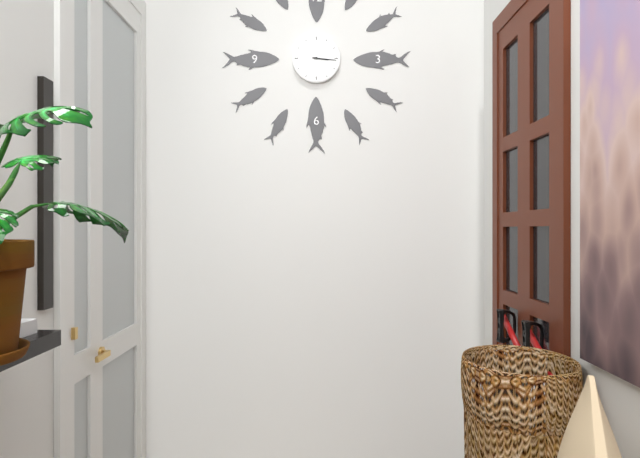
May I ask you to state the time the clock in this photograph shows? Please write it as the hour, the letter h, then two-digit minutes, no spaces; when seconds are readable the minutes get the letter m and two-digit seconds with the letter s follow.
3h16
